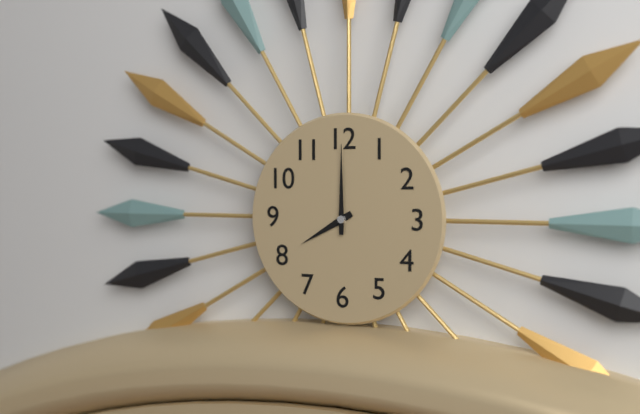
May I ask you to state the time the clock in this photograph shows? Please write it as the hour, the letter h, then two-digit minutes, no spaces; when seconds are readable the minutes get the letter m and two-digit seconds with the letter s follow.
8h00
